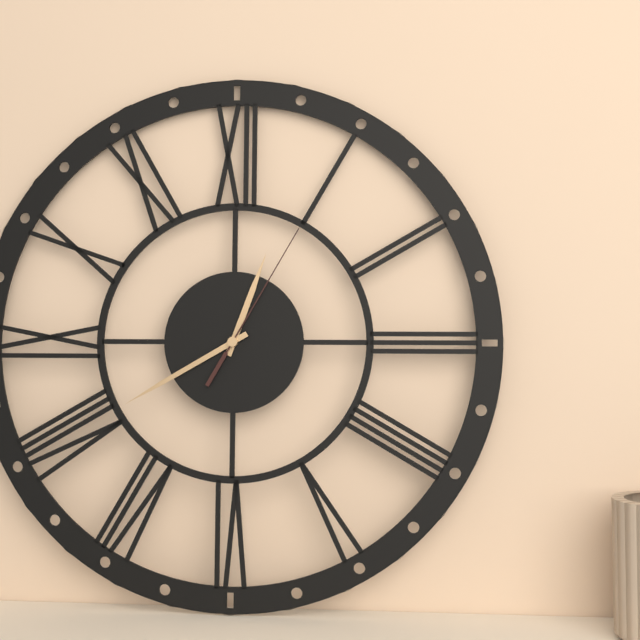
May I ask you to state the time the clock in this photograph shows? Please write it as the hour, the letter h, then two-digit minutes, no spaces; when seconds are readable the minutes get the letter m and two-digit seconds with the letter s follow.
12h40m05s
